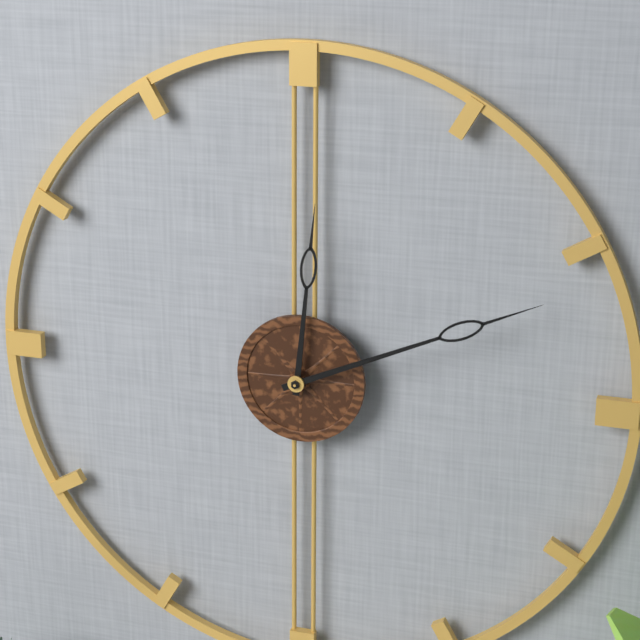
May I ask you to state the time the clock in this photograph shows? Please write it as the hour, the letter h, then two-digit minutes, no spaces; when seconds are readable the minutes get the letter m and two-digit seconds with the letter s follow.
12h11
